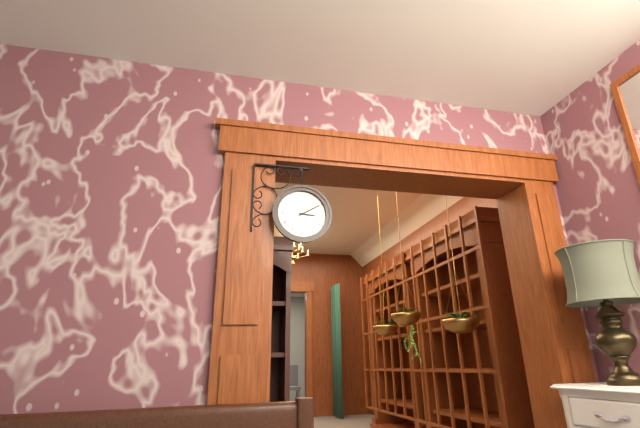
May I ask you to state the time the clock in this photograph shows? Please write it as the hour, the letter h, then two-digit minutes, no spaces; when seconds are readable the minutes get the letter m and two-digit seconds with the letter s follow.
3h10
